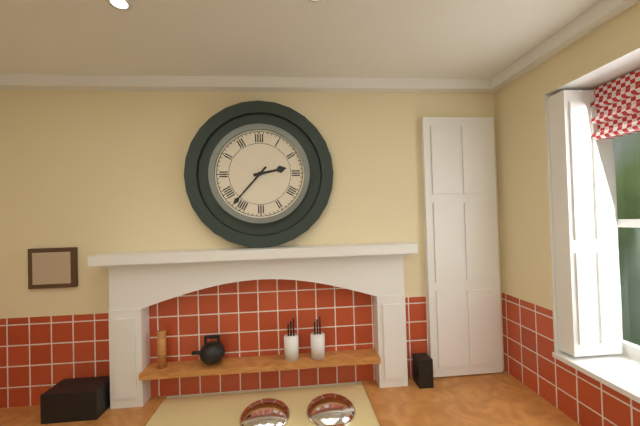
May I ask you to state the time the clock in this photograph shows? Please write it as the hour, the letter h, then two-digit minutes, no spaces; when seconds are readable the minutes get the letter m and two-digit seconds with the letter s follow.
2h37
